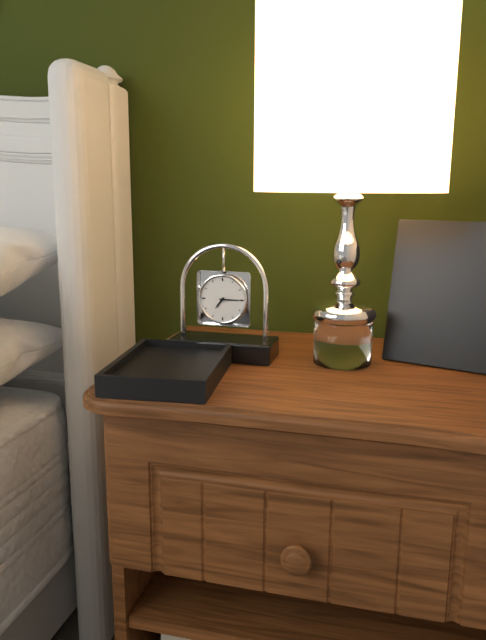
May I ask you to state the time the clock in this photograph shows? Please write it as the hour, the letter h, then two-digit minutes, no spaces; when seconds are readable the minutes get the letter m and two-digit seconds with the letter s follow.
7h15
